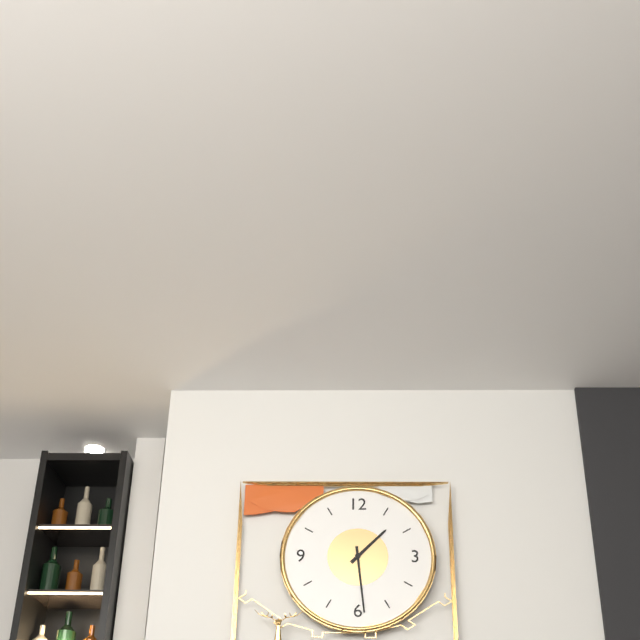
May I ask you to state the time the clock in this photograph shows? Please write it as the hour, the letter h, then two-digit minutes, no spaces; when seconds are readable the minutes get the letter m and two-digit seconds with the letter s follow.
1h29
